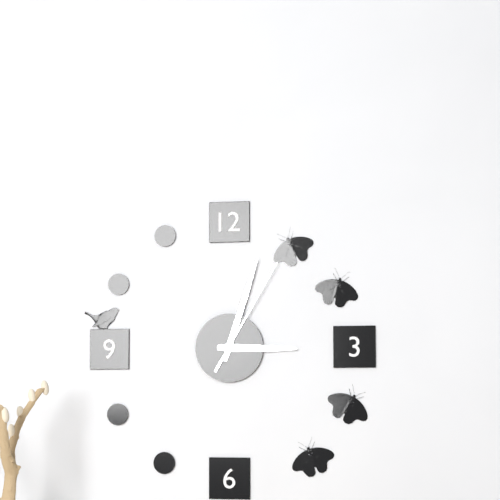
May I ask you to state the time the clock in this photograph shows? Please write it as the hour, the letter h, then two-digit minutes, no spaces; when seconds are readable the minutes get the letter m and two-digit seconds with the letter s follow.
3h03m05s
